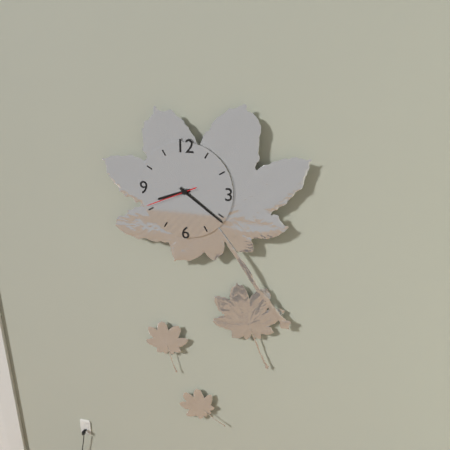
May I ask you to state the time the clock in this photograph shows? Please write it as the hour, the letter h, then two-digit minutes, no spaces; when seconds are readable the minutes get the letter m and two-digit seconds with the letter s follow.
8h21m41s
